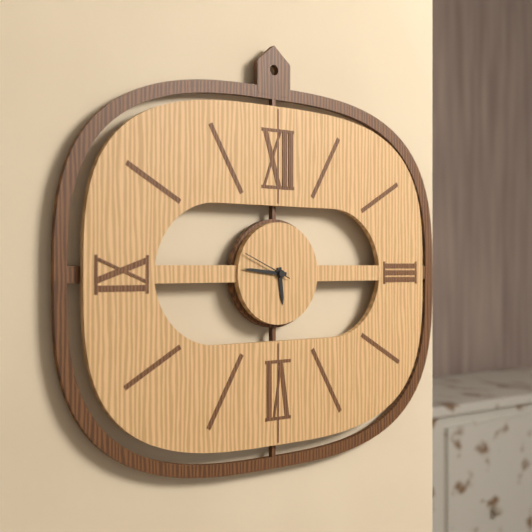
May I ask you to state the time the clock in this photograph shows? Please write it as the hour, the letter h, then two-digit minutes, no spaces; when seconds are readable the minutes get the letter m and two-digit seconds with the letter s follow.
5h46m49s
